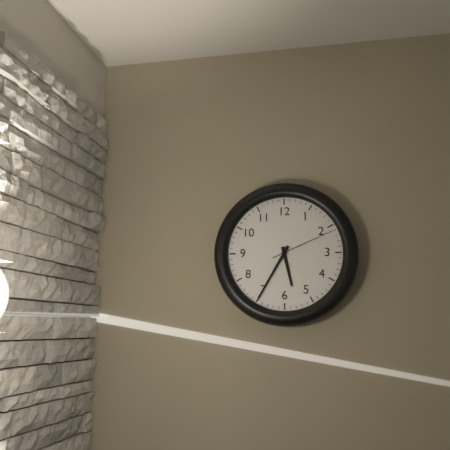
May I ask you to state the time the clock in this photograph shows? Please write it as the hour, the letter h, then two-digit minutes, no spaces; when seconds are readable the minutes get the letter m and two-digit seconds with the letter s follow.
5h35m11s
